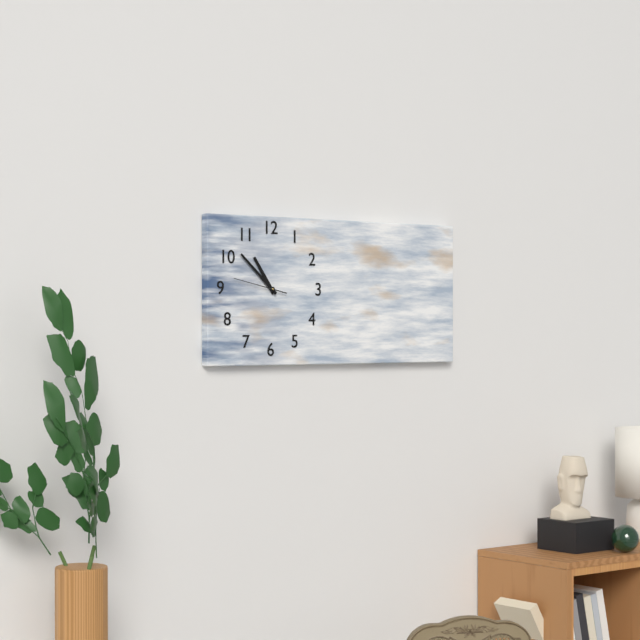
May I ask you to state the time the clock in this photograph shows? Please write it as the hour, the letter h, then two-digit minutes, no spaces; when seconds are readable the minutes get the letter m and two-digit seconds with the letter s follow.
10h52m47s
